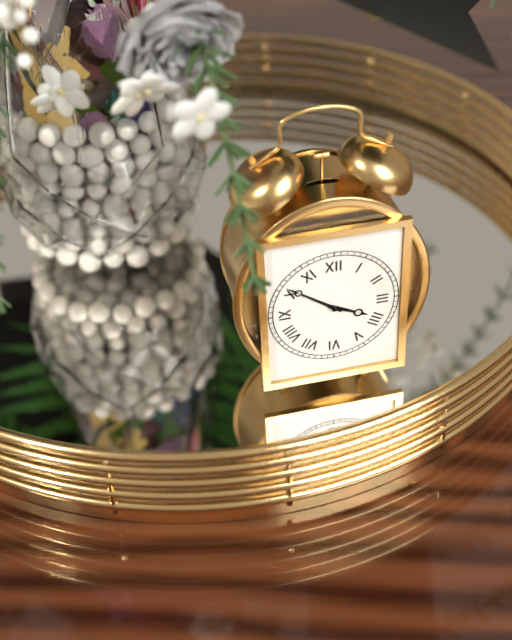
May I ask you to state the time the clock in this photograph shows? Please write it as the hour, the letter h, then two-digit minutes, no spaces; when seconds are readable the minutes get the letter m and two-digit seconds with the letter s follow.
3h51
